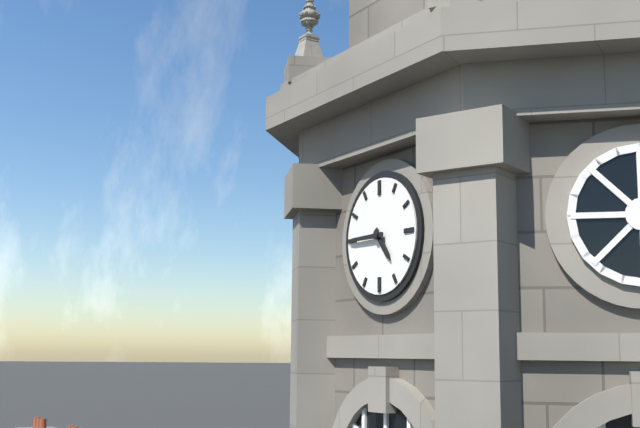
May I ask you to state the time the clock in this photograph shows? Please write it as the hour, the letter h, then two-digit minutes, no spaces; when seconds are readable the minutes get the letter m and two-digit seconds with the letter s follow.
4h45
